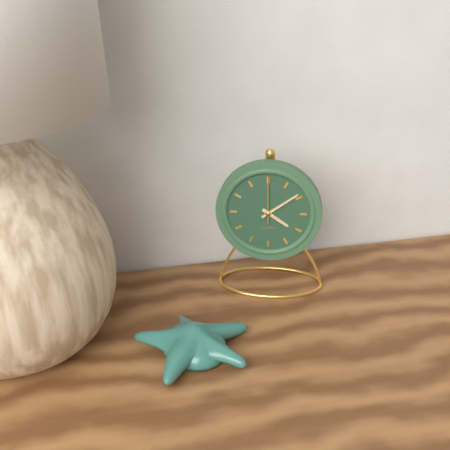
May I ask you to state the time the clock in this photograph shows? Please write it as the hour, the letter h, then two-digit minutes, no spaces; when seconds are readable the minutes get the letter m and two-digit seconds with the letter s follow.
4h09
